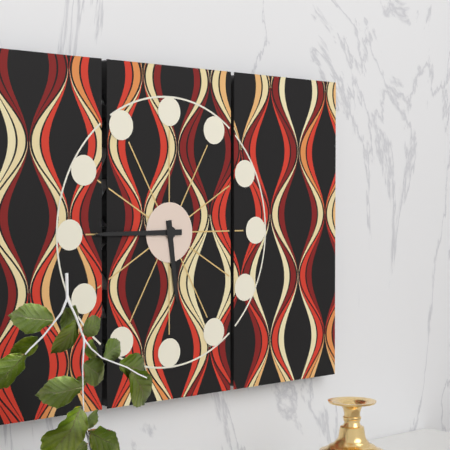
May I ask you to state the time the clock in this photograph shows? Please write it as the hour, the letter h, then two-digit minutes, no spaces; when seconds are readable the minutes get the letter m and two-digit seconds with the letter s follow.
5h45
